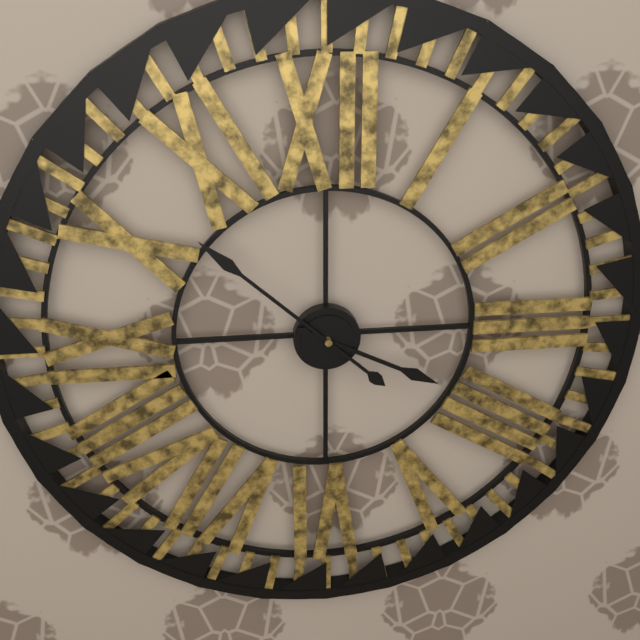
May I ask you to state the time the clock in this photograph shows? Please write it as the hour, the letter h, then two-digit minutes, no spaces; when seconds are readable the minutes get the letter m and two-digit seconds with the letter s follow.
3h52
